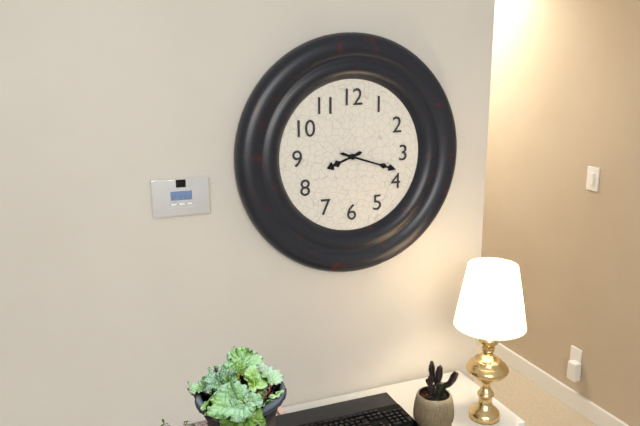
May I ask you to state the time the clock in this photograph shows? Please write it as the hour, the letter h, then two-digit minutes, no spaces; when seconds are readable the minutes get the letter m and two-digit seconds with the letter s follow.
8h18
